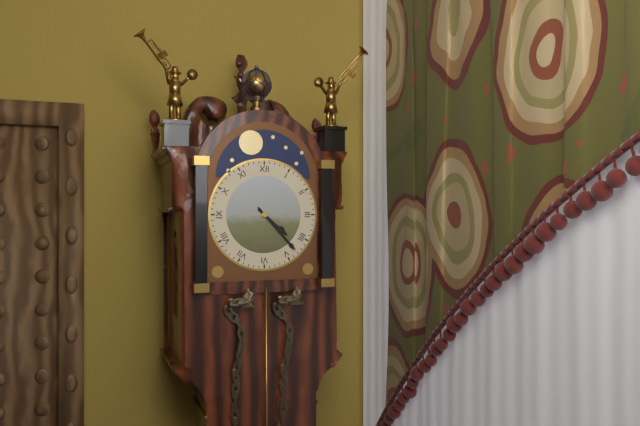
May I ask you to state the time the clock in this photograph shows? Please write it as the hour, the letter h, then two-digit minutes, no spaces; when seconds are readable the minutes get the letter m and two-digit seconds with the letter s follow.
4h23
